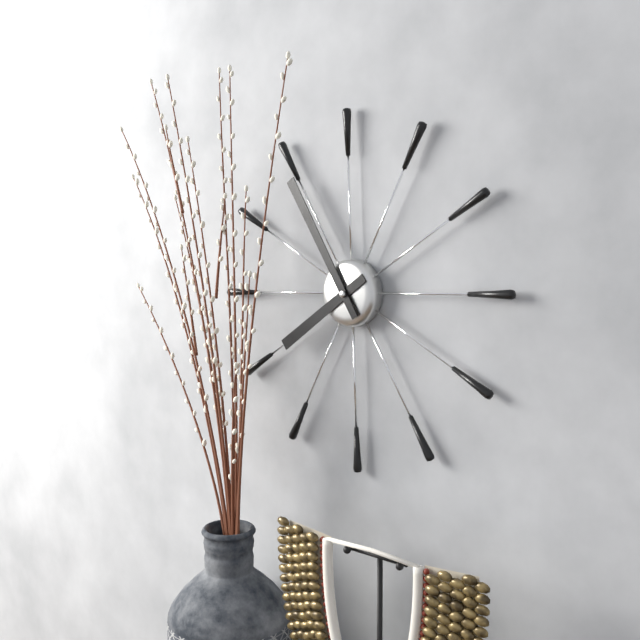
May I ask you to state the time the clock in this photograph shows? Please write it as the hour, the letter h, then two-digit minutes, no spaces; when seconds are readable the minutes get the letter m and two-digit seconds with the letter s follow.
7h55
